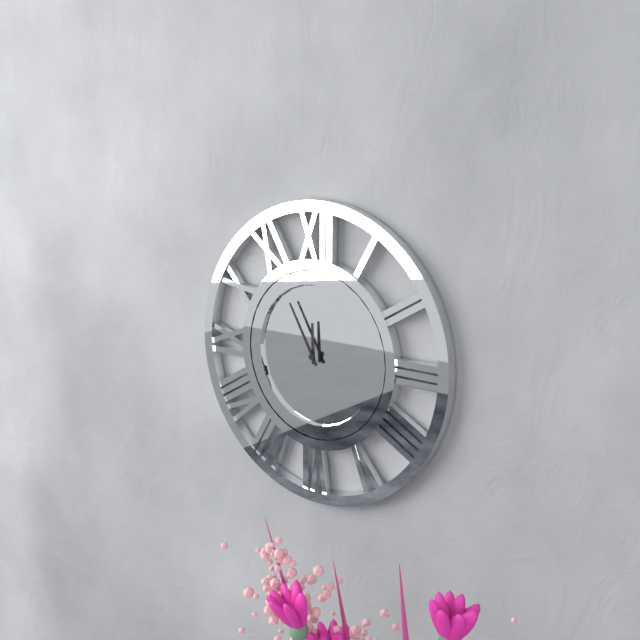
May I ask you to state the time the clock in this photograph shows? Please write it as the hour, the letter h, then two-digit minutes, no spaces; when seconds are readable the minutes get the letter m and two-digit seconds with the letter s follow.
11h55
